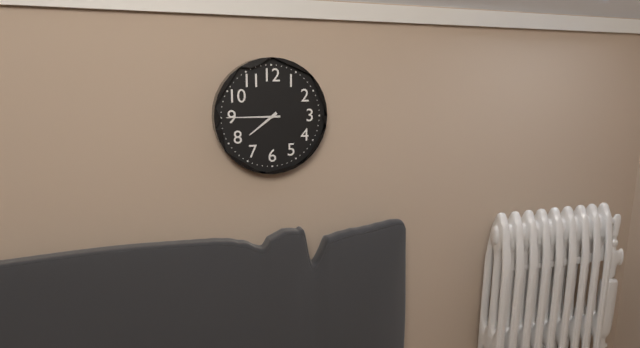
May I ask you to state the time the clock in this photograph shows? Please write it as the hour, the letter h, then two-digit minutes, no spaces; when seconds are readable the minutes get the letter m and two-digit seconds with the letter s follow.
7h45
